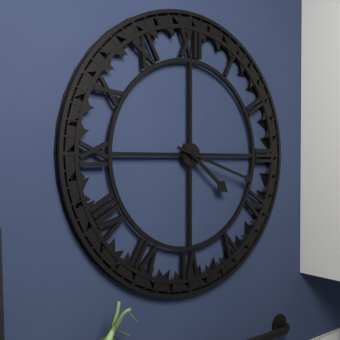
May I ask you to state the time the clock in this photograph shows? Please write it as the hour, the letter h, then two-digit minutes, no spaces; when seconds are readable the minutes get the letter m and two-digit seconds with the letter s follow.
4h18
